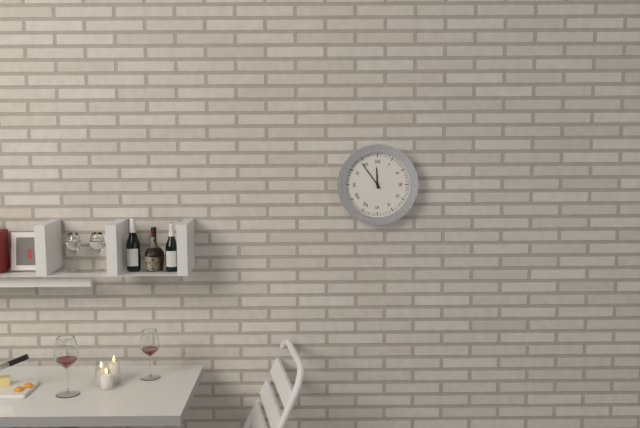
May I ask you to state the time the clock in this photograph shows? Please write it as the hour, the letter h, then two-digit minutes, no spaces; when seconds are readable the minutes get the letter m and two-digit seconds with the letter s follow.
11h54
